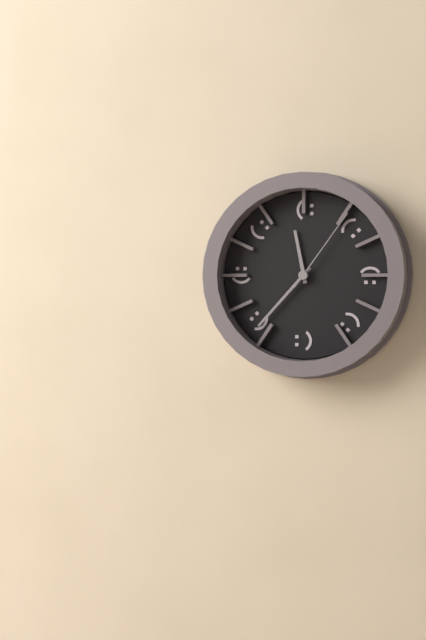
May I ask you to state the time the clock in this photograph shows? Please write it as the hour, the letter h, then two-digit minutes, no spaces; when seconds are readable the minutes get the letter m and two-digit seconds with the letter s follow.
11h37m06s
